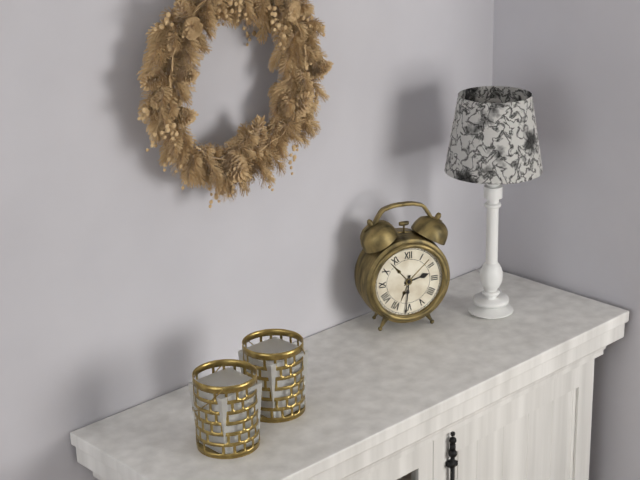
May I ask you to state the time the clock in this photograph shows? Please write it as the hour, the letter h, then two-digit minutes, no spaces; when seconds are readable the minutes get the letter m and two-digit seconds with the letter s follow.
2h31
